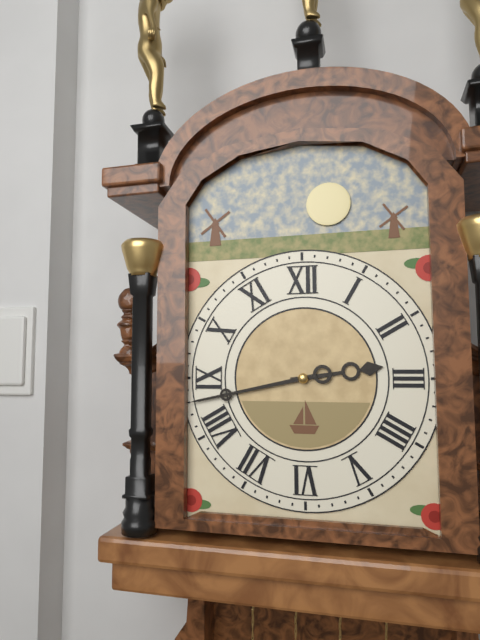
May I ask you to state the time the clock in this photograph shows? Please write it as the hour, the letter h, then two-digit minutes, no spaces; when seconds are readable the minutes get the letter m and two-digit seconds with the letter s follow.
2h43
